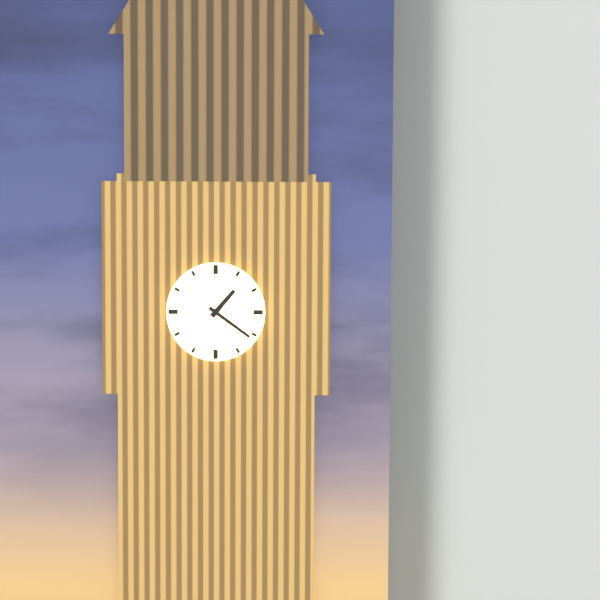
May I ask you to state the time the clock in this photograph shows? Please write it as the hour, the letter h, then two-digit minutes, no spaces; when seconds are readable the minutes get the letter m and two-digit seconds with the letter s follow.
1h21
